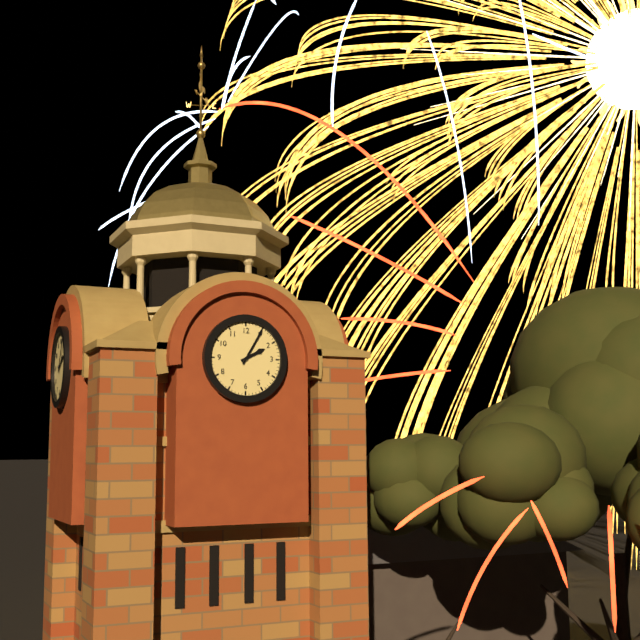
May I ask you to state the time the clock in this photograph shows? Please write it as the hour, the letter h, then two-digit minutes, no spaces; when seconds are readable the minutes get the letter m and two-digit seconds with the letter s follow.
2h05
